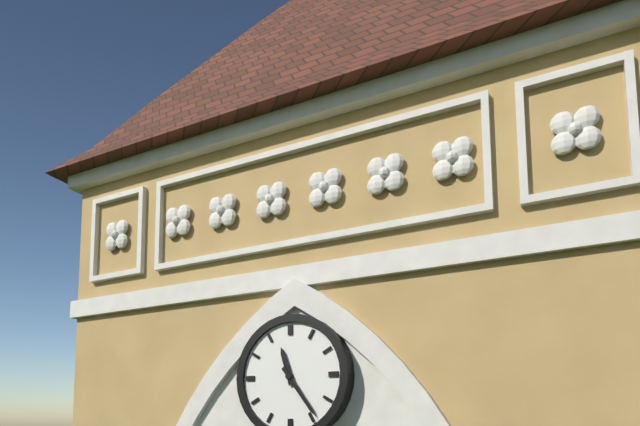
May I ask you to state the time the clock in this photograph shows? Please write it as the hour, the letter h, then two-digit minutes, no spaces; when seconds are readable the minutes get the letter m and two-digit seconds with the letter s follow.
11h24
